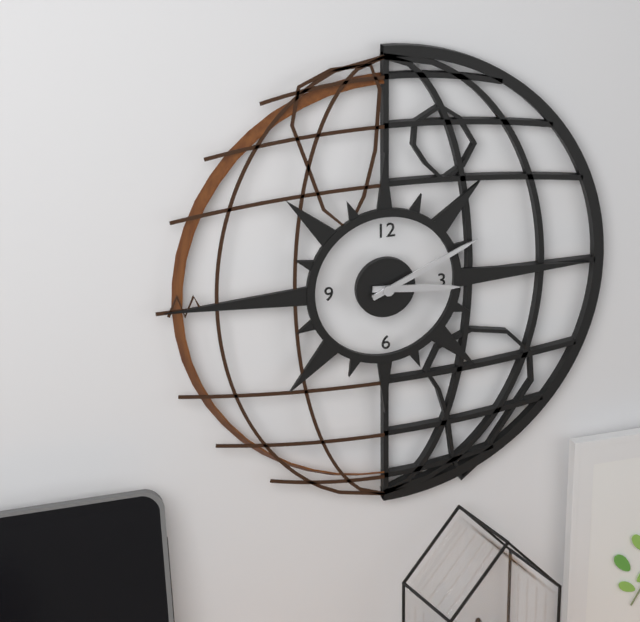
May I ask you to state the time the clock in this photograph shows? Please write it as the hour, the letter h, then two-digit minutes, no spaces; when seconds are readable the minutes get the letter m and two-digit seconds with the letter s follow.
3h11
